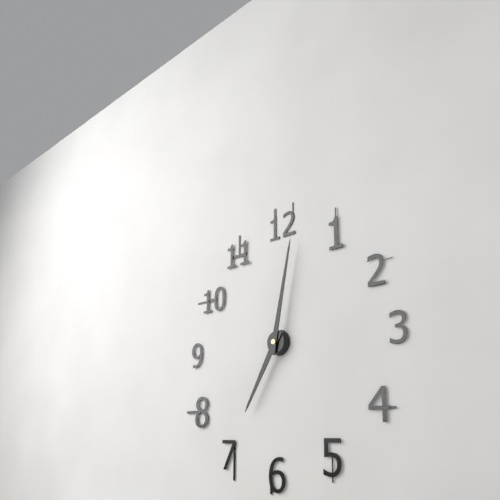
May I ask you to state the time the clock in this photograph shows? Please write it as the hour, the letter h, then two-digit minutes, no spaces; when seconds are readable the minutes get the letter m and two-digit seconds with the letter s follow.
7h02
